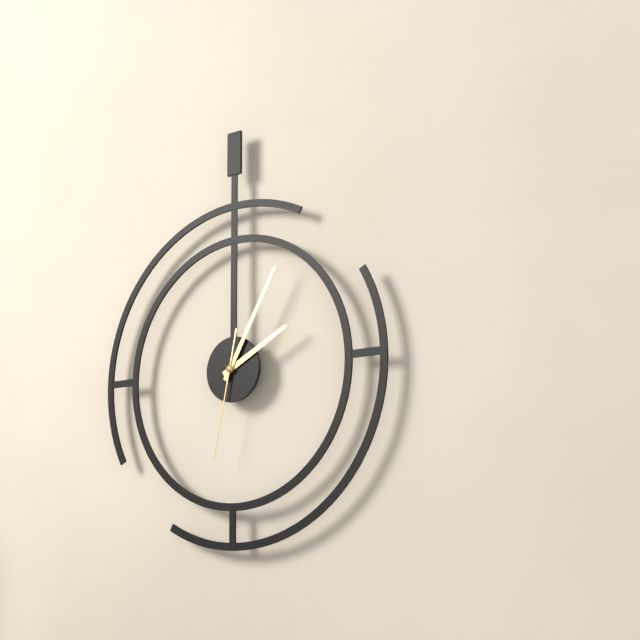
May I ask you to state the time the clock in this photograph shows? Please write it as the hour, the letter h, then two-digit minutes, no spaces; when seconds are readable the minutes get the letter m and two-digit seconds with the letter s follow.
2h05m32s
